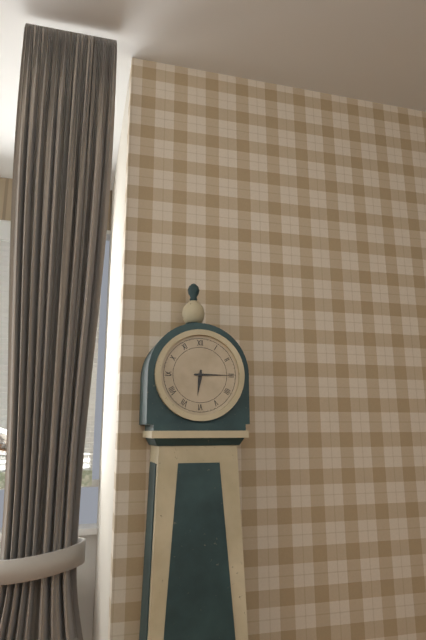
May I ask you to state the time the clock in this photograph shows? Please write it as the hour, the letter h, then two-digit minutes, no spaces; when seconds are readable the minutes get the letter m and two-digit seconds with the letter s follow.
6h15
